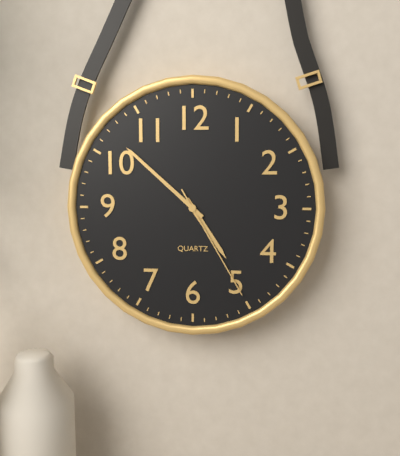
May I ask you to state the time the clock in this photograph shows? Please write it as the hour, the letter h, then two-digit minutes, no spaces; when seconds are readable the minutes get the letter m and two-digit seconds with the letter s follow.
4h52m25s
